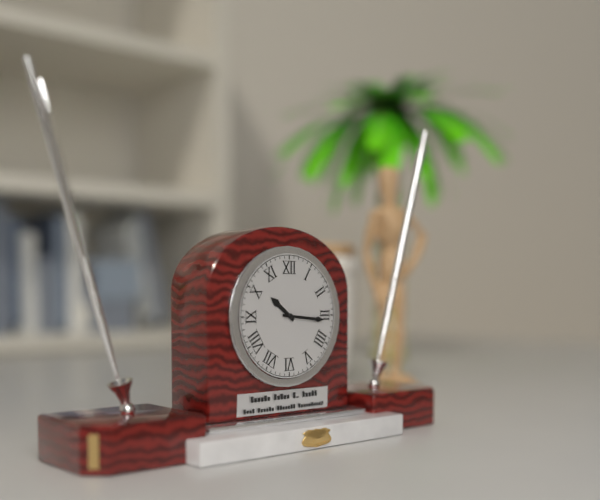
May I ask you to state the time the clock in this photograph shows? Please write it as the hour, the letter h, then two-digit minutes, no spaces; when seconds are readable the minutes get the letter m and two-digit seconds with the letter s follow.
10h16
